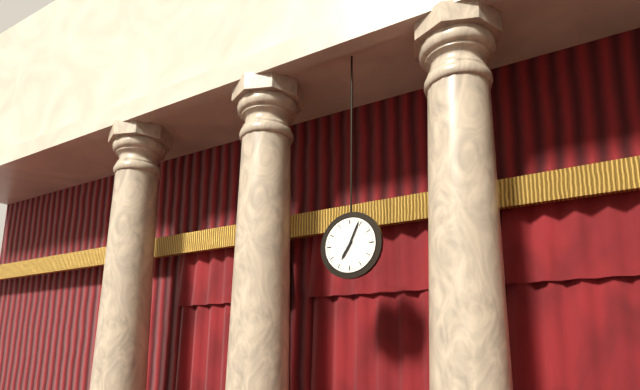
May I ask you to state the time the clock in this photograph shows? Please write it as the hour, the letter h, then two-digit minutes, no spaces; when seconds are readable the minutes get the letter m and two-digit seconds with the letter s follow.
7h04
